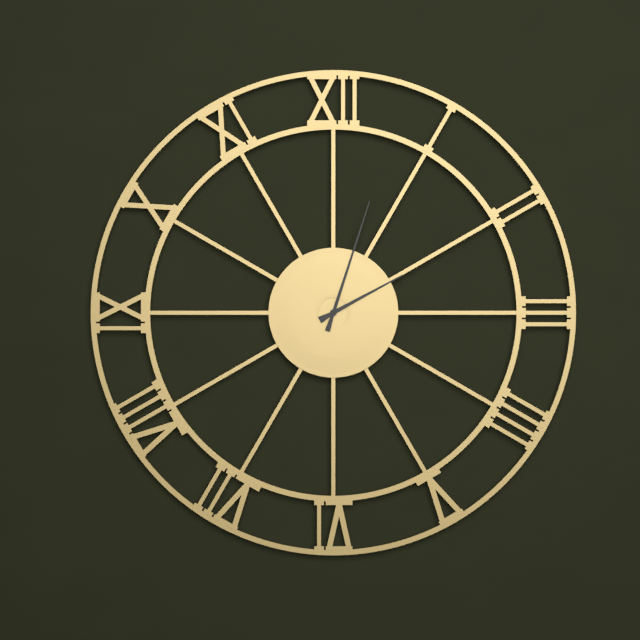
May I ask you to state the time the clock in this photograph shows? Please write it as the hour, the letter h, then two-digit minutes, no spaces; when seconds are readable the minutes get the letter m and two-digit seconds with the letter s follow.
2h03
